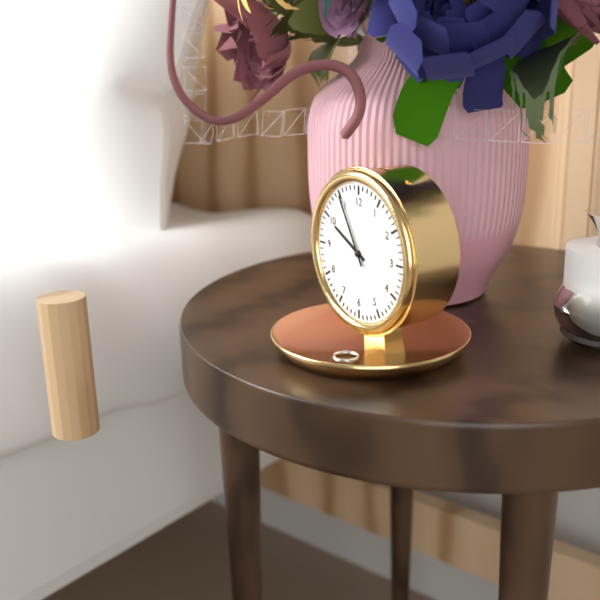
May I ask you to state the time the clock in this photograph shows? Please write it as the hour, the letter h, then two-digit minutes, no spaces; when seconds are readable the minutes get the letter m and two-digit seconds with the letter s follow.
9h55
